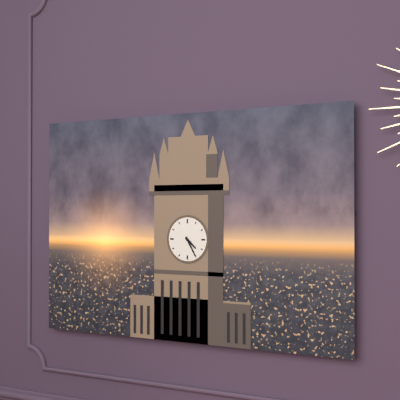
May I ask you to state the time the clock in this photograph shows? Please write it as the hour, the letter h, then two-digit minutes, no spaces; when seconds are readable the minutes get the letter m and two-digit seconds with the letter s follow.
4h25
